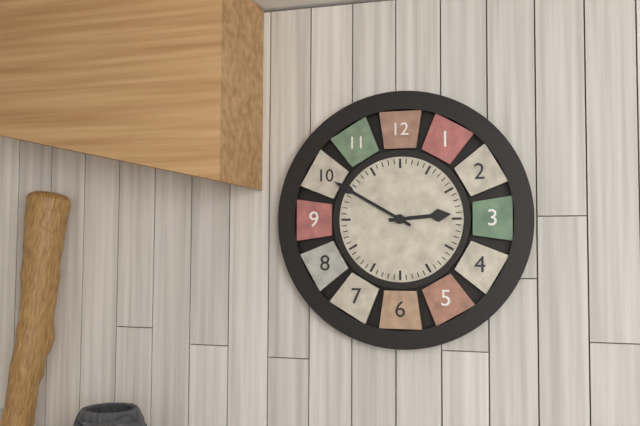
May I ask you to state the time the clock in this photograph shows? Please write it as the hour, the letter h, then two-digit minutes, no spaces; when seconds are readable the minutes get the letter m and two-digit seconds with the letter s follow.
2h50
